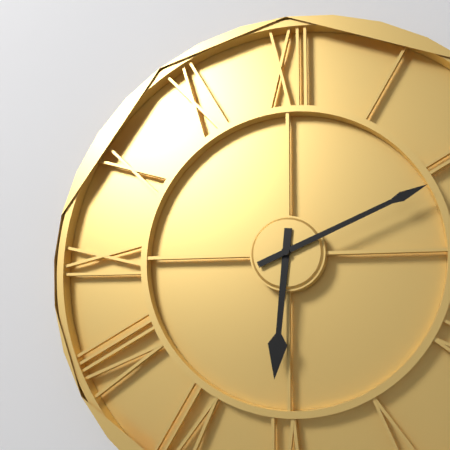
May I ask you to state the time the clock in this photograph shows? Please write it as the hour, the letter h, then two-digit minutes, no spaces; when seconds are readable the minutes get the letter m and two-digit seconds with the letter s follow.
6h11
